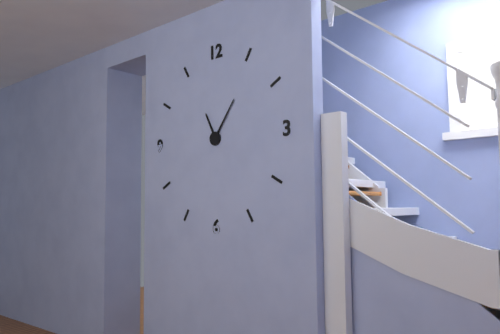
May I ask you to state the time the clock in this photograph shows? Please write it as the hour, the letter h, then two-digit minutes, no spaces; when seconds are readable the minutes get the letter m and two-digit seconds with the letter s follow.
11h06
